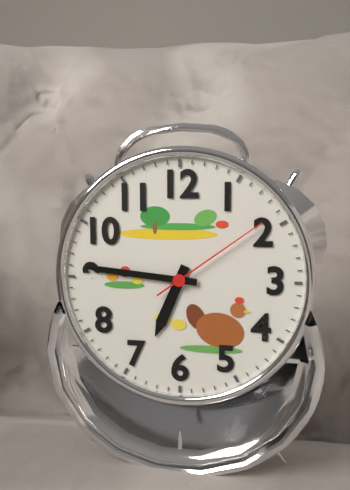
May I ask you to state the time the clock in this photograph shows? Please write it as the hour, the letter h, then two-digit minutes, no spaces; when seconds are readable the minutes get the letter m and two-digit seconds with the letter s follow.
6h46m09s
